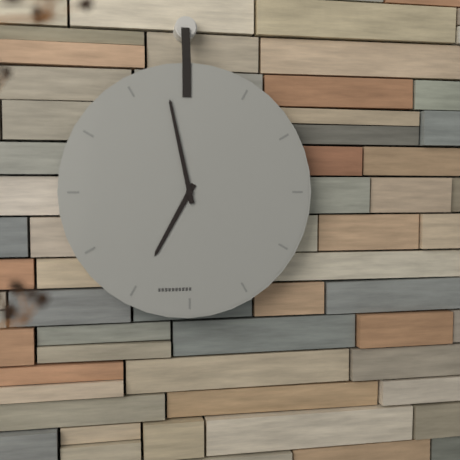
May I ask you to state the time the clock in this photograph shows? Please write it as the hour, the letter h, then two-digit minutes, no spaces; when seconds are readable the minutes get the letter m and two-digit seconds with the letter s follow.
6h58
